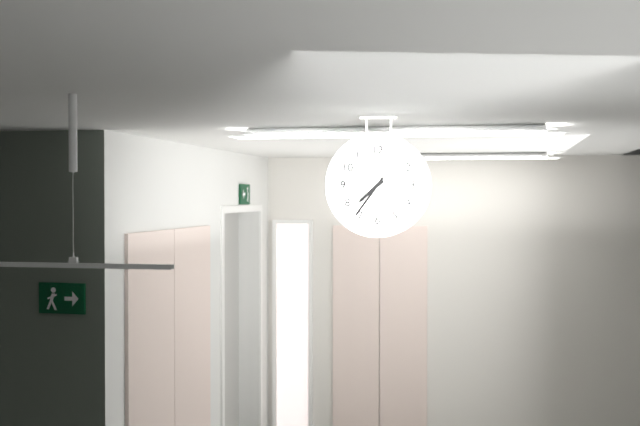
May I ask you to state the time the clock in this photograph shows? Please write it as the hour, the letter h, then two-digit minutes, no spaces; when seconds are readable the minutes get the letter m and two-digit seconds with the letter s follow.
7h36
